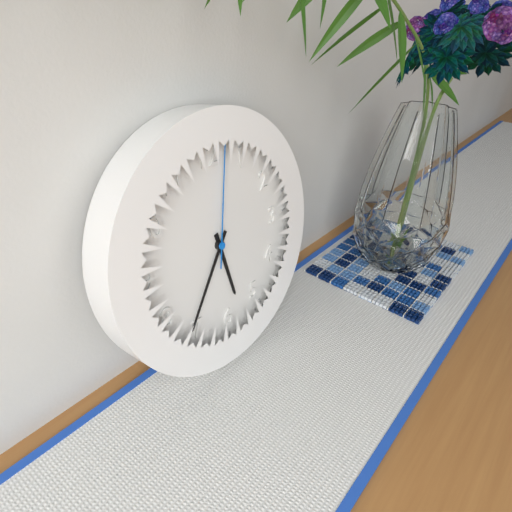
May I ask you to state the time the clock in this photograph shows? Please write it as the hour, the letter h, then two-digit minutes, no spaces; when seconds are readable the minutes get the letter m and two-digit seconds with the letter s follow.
5h36m02s
